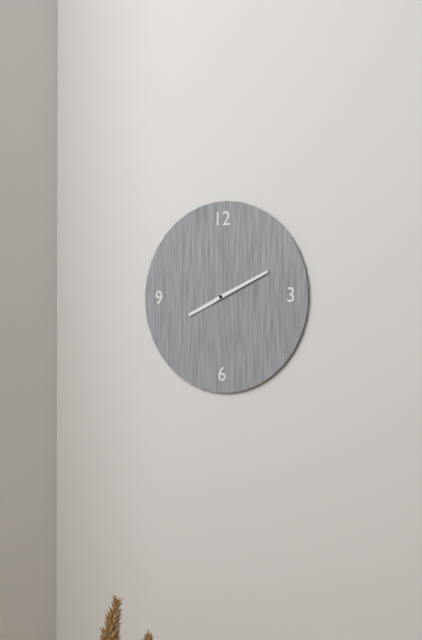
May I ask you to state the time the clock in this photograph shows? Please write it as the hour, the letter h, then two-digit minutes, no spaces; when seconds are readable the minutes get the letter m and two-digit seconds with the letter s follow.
8h11
